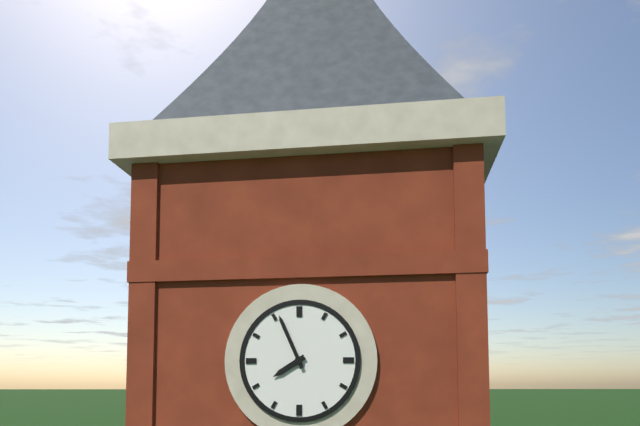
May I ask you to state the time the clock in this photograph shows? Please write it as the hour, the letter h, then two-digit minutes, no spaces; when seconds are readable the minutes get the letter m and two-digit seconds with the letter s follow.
7h56
